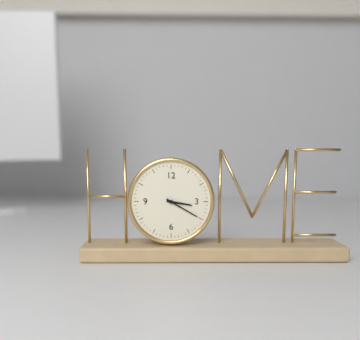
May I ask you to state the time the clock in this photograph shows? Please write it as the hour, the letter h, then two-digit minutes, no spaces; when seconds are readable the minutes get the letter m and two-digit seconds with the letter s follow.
3h20
